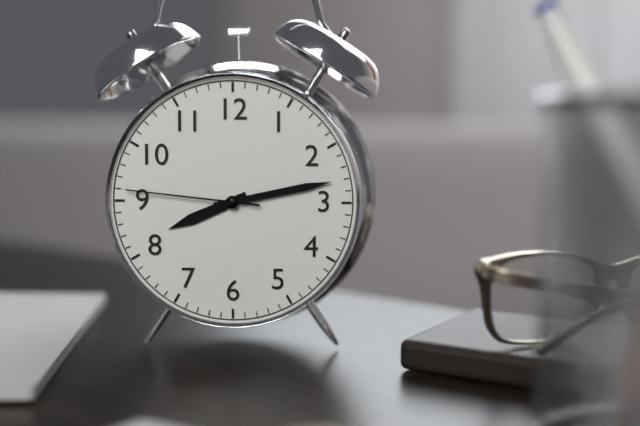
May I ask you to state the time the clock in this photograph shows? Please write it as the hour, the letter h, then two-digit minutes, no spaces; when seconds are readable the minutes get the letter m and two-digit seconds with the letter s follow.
8h13m46s
